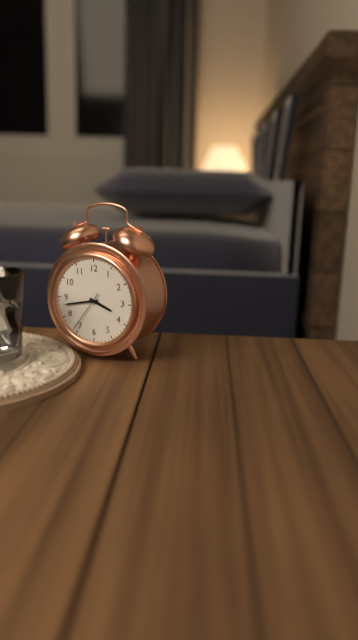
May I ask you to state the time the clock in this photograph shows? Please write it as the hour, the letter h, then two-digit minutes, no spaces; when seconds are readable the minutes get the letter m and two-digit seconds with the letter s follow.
3h43
